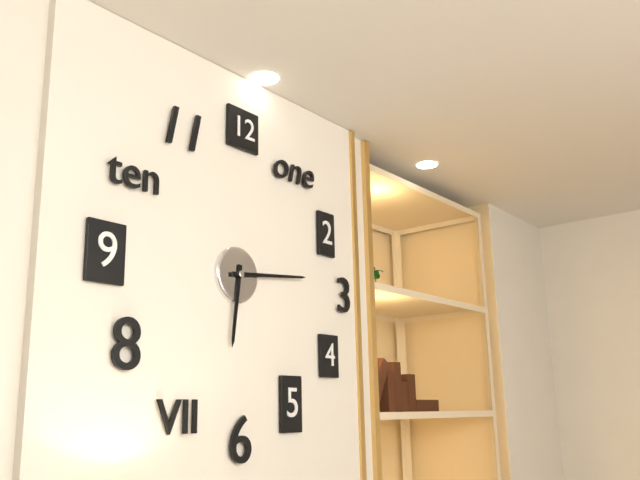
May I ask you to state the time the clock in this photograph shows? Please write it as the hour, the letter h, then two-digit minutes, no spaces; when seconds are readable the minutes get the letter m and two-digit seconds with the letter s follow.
6h14
